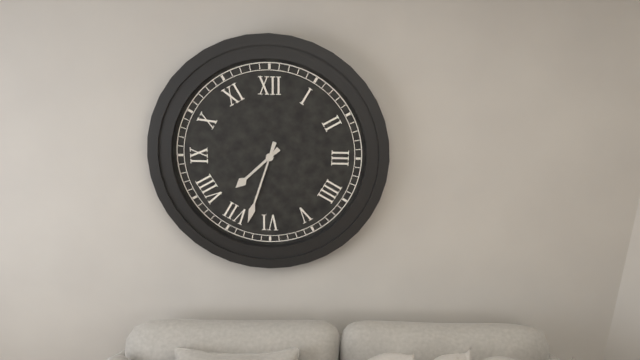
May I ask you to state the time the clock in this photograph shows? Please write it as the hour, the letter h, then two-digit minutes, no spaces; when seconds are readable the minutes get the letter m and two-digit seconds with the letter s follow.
7h33
